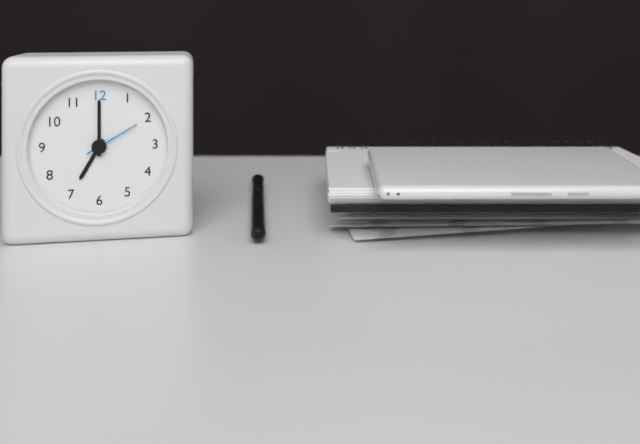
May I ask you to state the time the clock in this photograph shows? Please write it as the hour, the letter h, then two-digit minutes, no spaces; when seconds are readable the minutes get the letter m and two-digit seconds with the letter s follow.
7h00m10s
